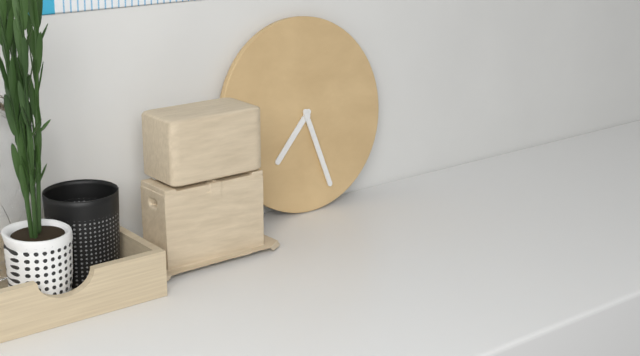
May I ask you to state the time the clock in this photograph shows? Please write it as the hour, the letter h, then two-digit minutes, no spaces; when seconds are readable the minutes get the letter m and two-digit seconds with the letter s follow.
7h27
